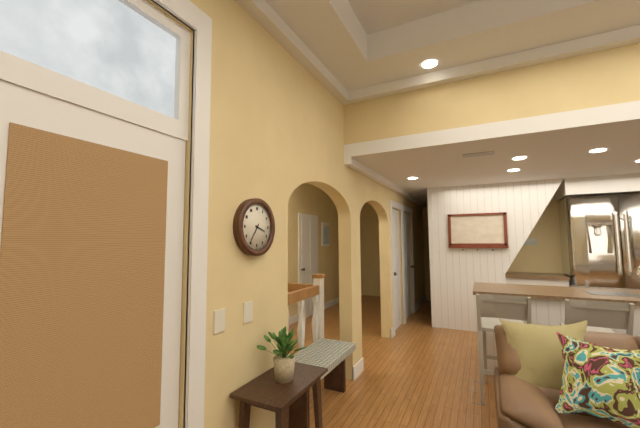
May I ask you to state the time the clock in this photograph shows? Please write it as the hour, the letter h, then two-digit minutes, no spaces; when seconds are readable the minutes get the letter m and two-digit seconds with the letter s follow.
3h36
